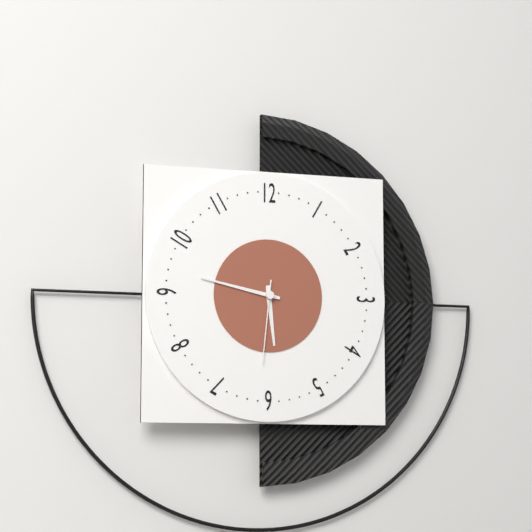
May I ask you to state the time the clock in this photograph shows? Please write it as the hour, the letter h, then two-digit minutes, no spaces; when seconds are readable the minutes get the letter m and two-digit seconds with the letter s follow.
5h47m31s
